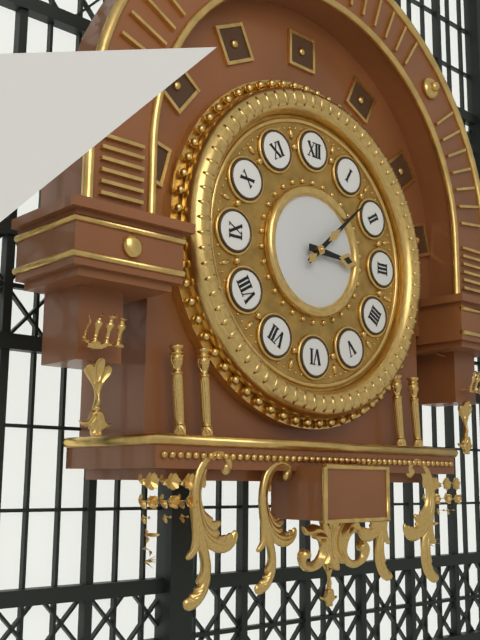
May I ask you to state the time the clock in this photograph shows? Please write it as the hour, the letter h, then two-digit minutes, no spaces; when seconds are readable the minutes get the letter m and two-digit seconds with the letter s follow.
3h08
